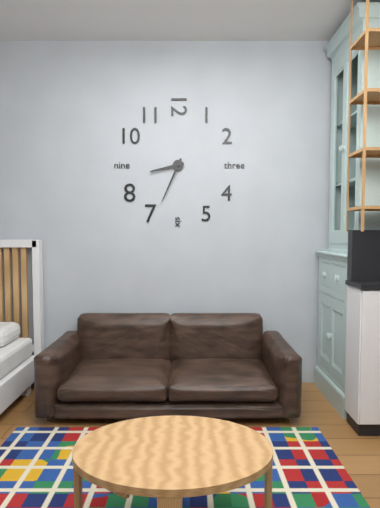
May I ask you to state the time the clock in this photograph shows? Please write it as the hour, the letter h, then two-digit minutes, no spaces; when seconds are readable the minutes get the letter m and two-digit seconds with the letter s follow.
8h34
